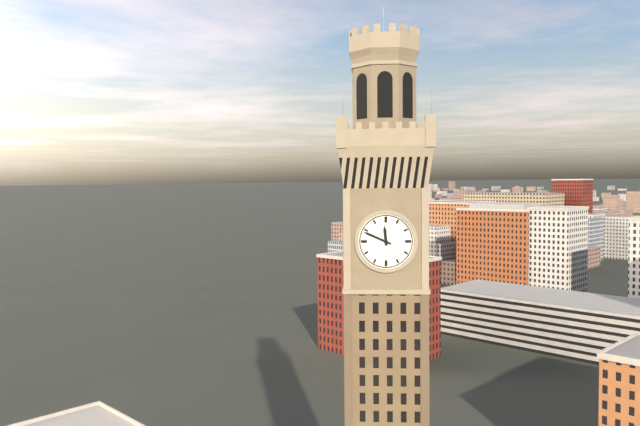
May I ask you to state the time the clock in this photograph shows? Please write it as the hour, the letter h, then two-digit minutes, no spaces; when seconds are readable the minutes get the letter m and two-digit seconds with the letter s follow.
11h49
